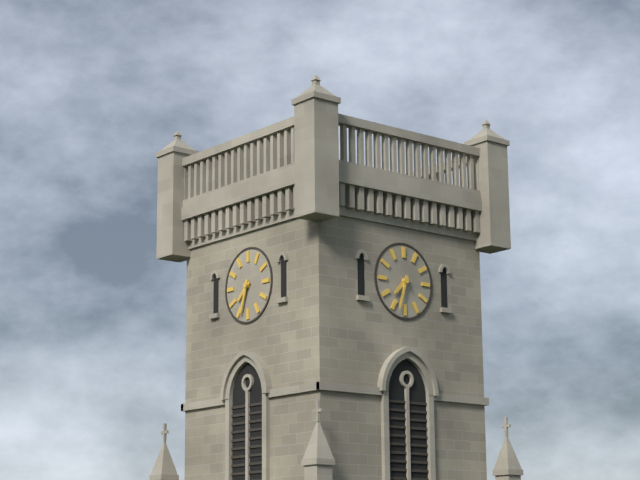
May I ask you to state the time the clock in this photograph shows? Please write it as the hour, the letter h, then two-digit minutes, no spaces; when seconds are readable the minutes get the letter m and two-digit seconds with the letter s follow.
7h33
